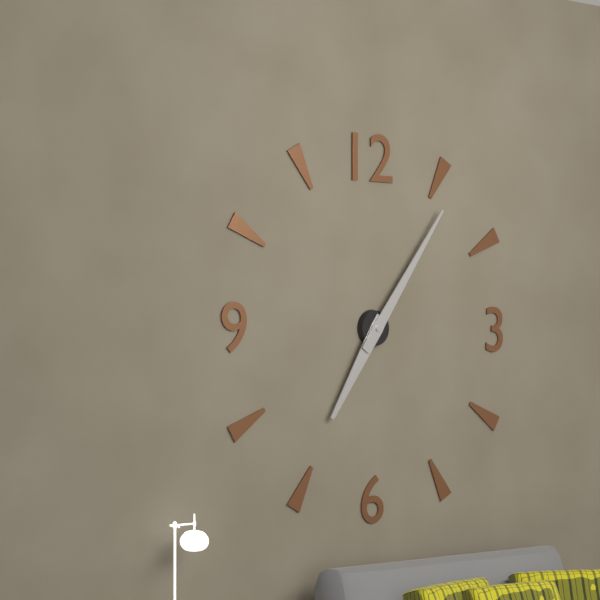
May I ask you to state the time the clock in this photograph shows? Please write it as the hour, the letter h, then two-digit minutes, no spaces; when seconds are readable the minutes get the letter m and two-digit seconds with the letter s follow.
7h06
